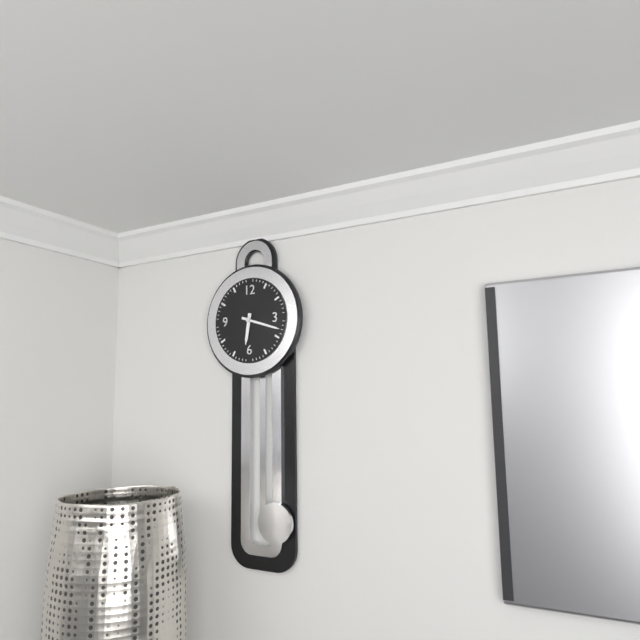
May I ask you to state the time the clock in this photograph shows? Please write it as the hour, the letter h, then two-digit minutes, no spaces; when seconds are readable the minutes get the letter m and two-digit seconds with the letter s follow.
6h18
